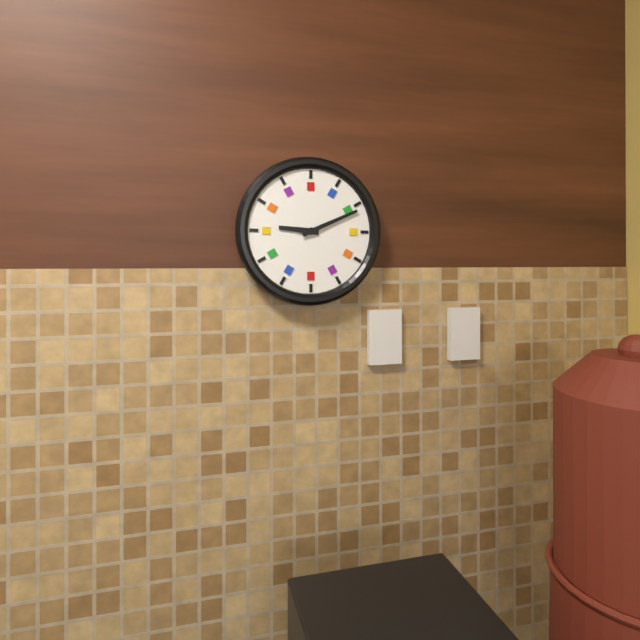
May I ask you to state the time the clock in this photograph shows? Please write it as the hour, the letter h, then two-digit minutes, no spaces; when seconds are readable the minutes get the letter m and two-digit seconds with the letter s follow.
9h11
